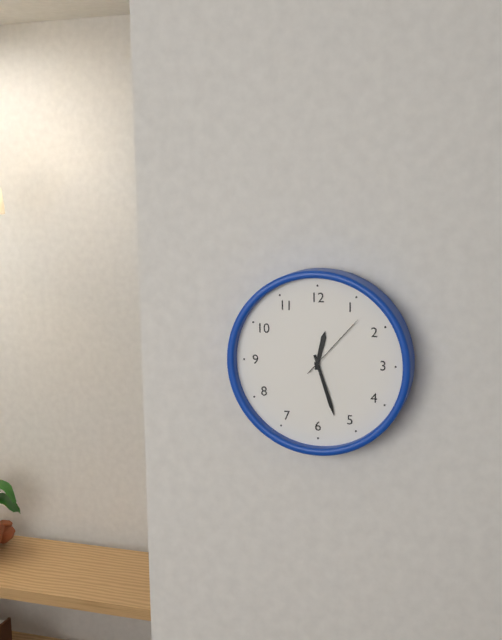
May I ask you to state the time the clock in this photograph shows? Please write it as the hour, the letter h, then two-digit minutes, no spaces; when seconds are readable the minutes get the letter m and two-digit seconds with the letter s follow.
12h27m07s
